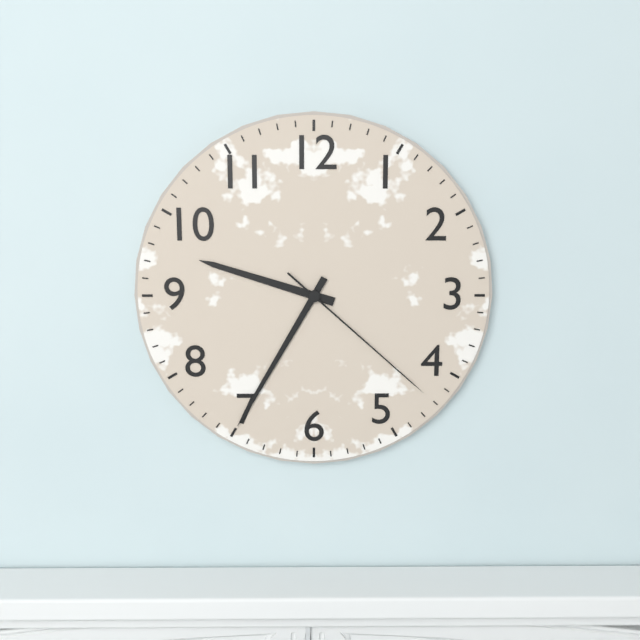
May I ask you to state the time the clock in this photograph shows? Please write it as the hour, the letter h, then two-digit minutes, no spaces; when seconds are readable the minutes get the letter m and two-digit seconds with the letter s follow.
9h35m22s
